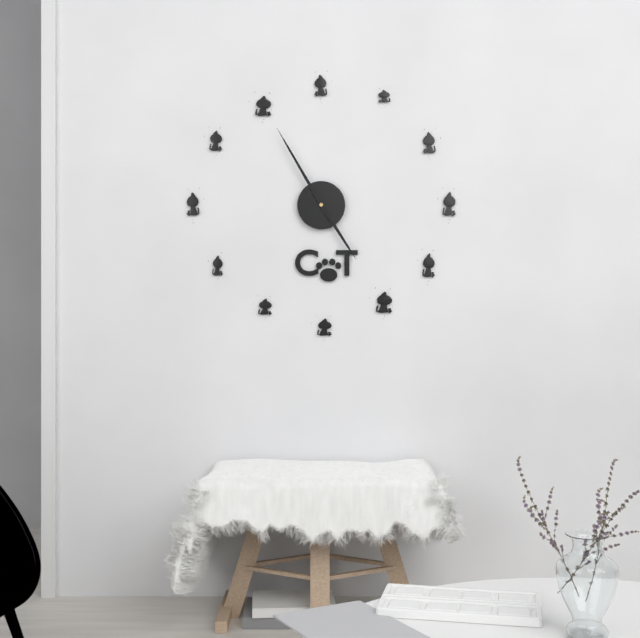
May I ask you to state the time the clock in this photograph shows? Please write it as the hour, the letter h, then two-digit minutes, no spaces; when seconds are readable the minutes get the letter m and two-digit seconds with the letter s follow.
4h55
